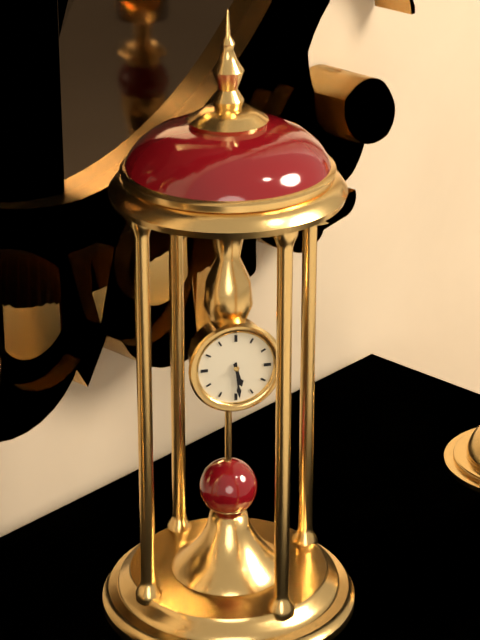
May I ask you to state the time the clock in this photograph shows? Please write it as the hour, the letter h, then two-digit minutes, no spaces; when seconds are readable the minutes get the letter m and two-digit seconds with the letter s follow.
5h29
